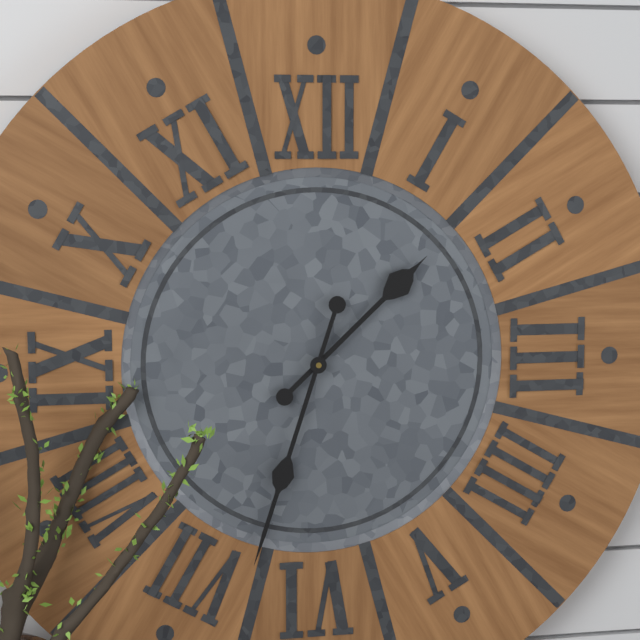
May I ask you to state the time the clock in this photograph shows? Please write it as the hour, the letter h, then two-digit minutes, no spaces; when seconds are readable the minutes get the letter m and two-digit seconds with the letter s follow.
1h33
